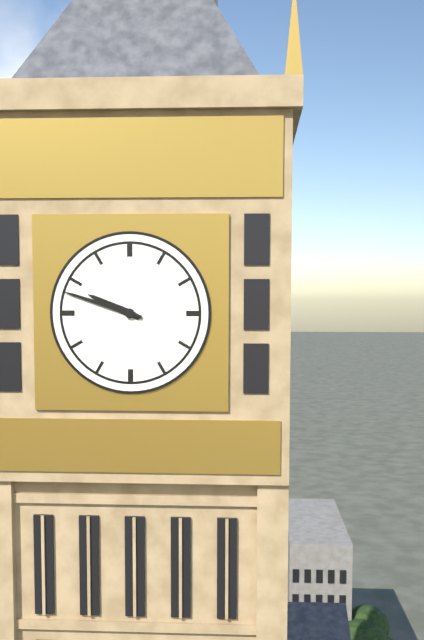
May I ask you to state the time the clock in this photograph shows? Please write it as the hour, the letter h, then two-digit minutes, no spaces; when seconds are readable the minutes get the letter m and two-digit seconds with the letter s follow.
9h48
